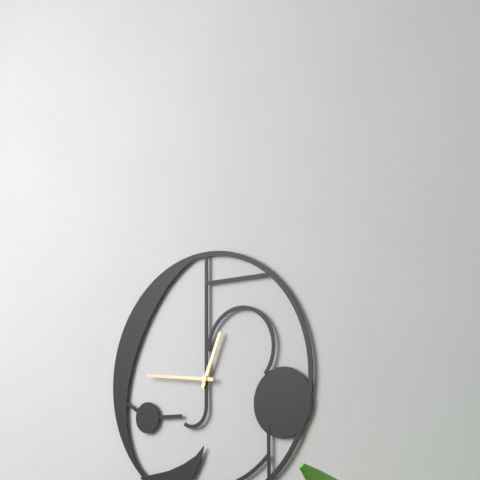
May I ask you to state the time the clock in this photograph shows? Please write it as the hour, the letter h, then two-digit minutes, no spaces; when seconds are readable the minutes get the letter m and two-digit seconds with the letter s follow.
12h46
